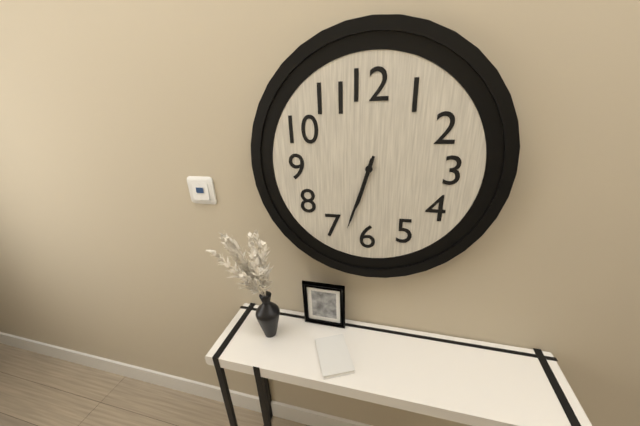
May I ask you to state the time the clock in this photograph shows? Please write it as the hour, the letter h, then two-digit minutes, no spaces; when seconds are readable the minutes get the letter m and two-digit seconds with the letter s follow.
6h33
